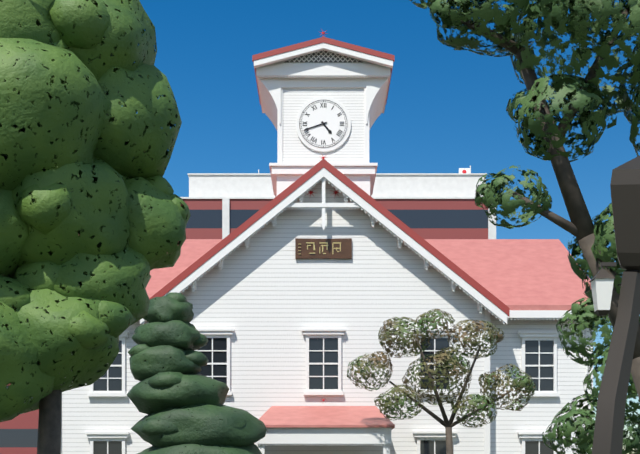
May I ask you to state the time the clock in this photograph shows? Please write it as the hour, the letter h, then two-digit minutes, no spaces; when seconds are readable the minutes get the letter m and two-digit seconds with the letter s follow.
4h42
